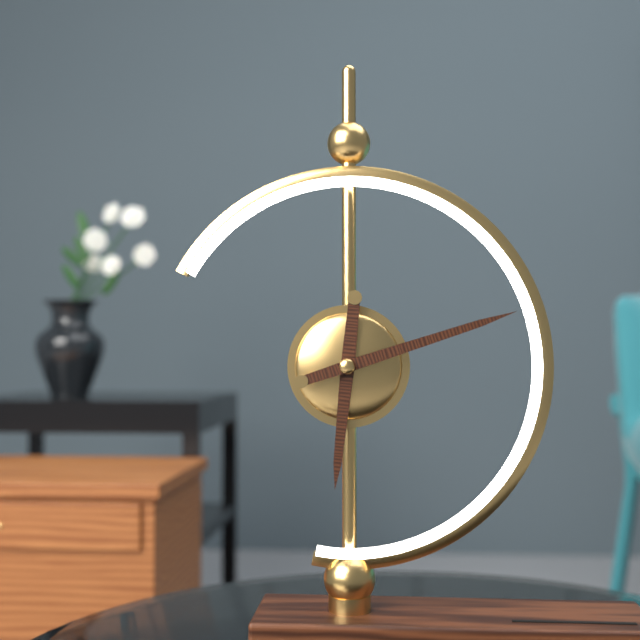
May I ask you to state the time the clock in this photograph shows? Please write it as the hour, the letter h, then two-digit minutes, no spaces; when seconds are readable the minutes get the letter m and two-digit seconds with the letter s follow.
6h12
